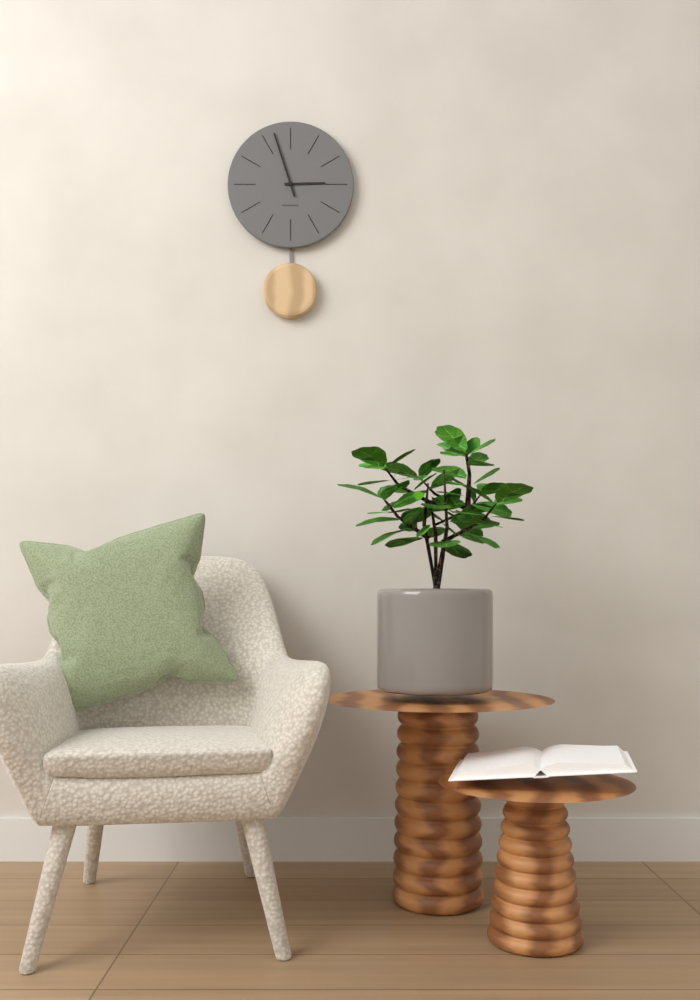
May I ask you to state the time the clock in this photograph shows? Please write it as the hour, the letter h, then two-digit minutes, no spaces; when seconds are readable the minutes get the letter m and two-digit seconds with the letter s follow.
2h57
